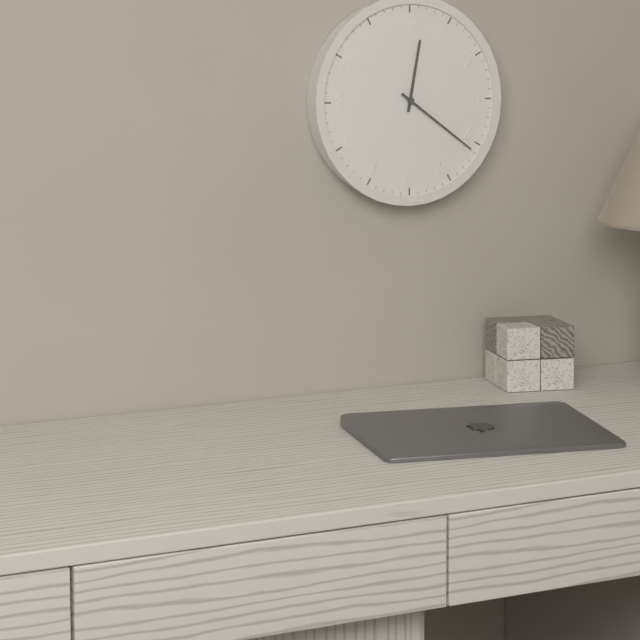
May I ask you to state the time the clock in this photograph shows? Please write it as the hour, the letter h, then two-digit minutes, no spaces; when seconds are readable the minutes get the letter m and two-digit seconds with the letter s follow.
12h21
